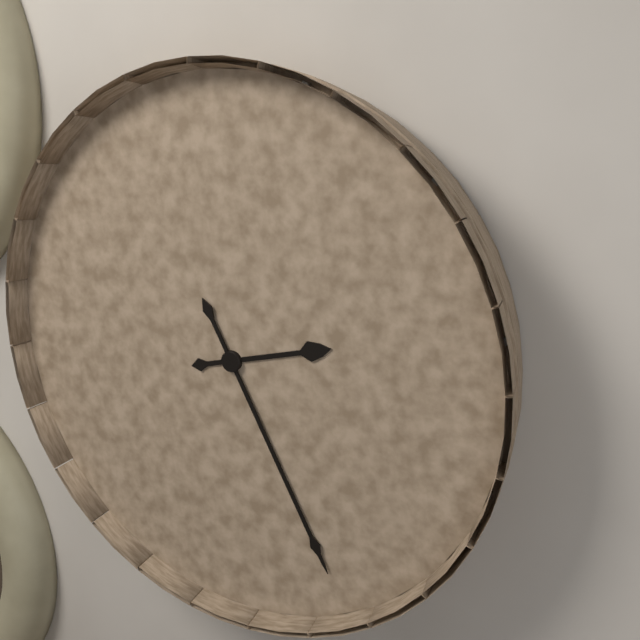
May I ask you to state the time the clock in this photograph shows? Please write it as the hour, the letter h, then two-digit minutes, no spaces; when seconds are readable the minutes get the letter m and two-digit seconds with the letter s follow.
2h25
